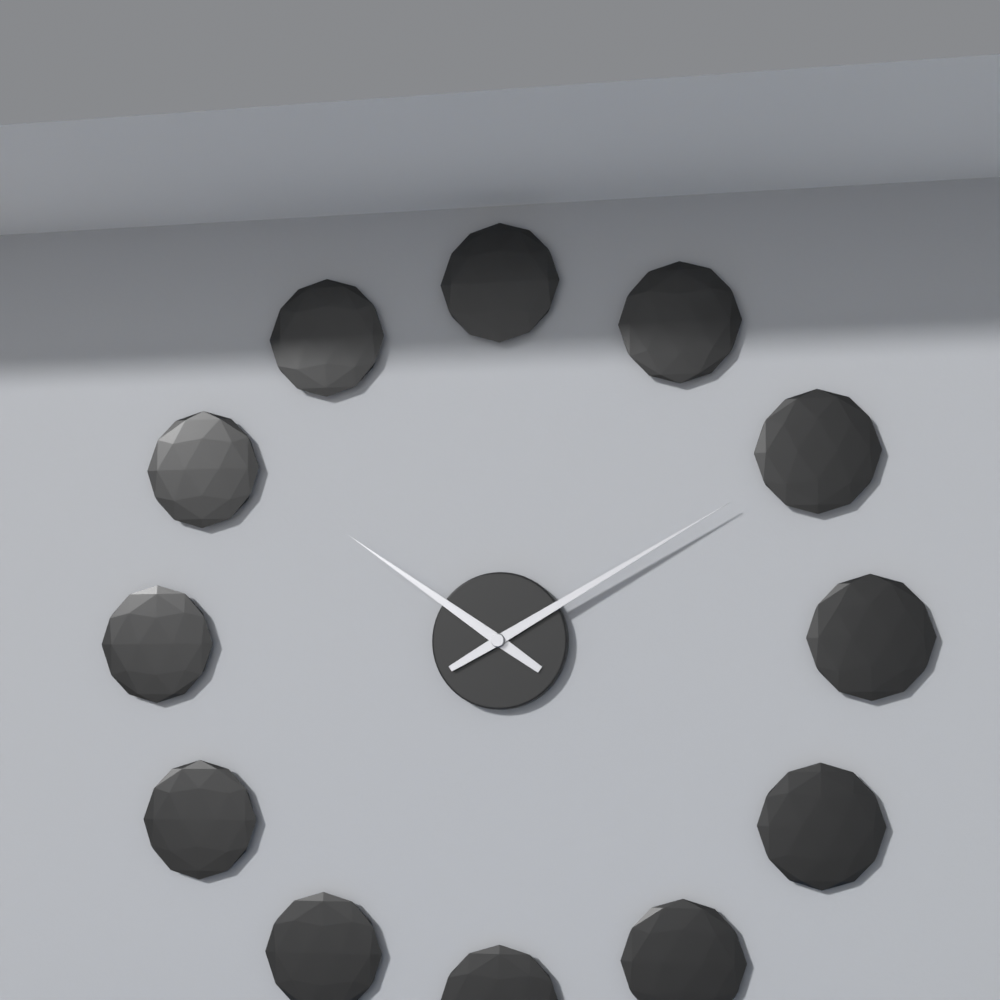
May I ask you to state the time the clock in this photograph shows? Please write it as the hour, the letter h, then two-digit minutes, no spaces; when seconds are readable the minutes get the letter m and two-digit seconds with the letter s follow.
10h10
